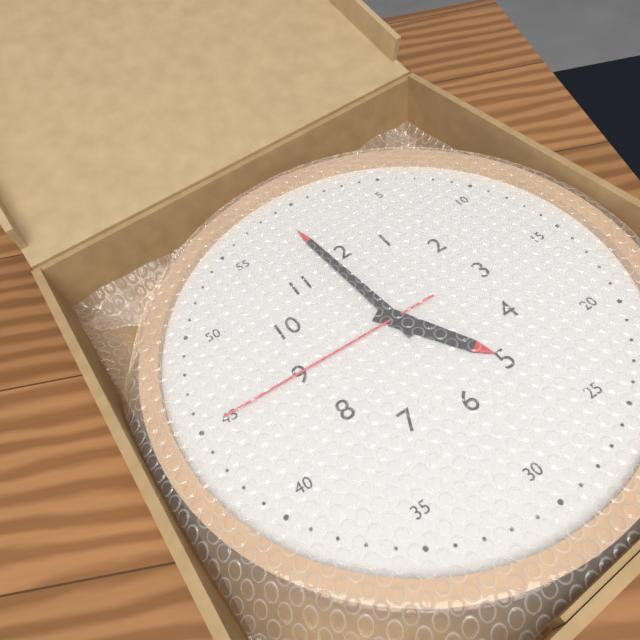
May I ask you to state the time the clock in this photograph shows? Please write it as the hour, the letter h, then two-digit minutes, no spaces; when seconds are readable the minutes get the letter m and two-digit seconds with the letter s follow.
4h59m45s
